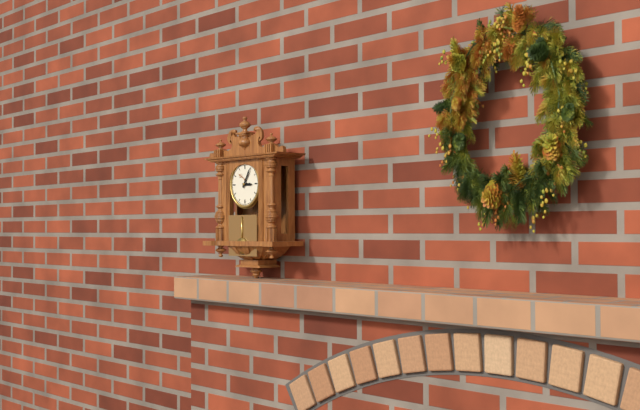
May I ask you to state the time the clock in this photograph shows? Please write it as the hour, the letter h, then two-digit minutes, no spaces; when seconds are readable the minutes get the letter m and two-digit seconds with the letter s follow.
3h05
